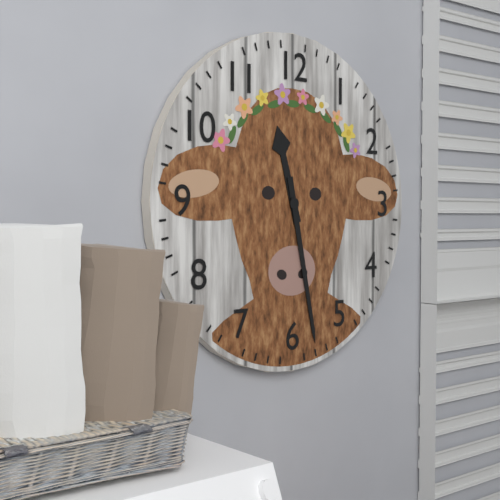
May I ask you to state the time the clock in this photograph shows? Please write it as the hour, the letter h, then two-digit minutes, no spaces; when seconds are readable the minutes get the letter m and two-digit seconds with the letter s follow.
11h28
